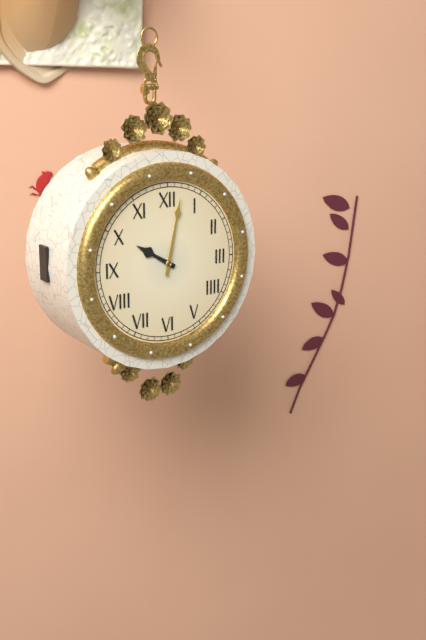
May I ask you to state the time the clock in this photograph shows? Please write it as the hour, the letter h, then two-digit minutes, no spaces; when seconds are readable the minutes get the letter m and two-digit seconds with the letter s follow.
10h02
